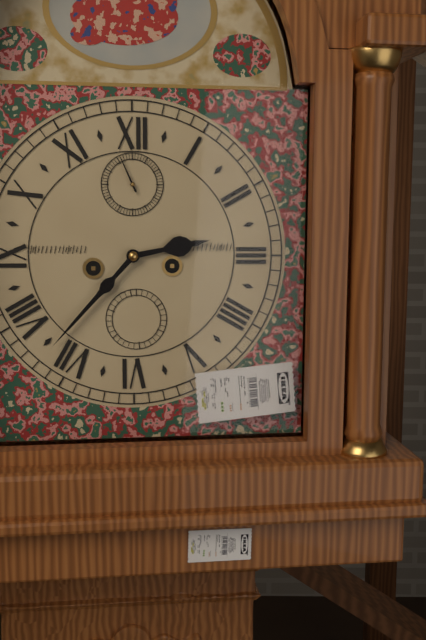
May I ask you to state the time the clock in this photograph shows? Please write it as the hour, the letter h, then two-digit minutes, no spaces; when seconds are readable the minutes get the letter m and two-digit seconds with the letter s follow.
2h37
